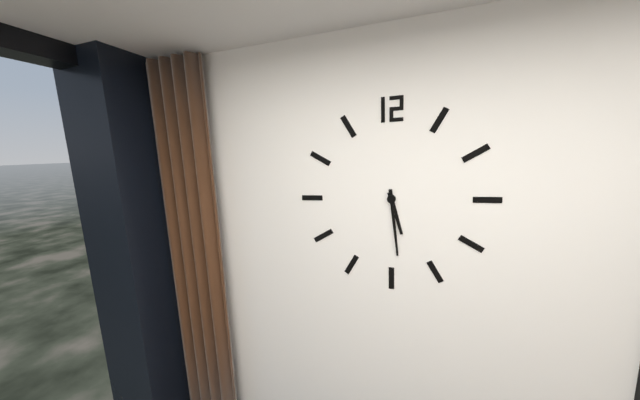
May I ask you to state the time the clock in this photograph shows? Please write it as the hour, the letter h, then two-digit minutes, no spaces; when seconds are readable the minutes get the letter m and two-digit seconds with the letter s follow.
5h29
